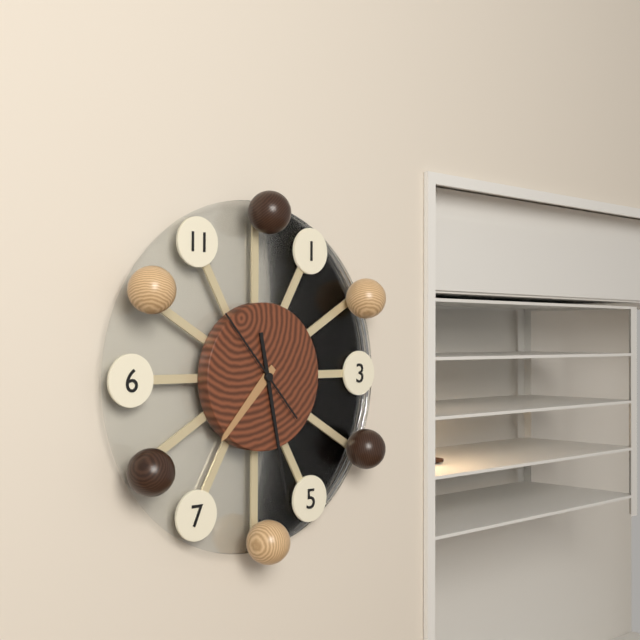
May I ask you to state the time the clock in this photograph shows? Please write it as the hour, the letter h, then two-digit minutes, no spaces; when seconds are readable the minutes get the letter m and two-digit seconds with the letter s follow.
7h28m53s
